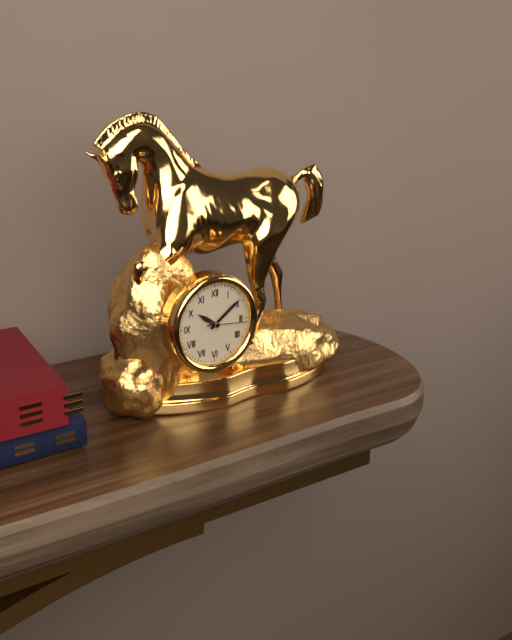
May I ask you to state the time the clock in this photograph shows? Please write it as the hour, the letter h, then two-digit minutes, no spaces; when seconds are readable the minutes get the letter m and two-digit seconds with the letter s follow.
10h09
